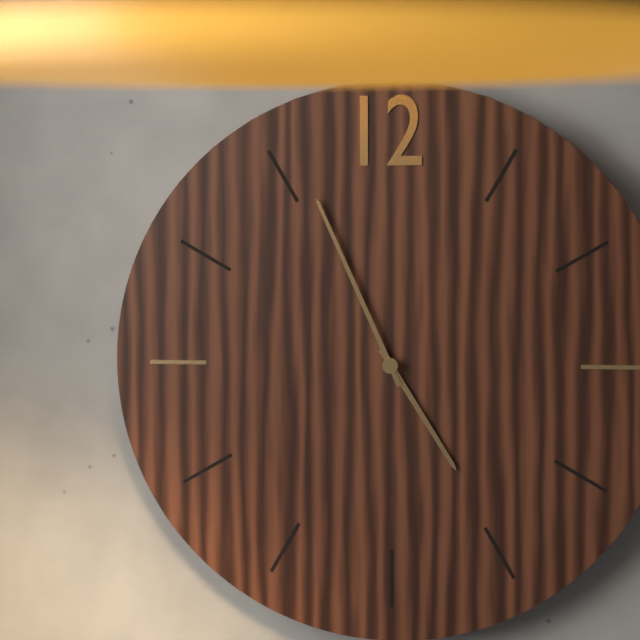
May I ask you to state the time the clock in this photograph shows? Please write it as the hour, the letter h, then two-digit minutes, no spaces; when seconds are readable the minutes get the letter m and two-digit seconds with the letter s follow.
4h56
